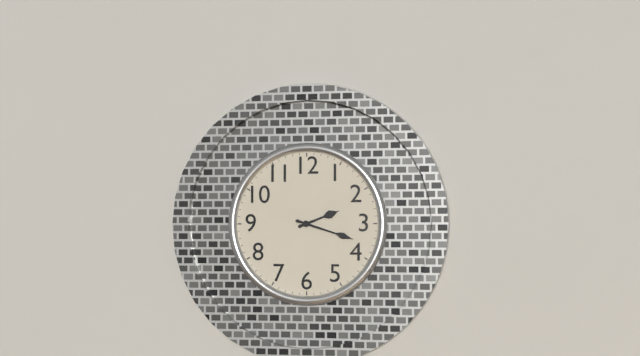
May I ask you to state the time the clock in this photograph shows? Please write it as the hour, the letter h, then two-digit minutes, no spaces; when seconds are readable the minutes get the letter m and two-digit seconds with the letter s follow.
2h18
